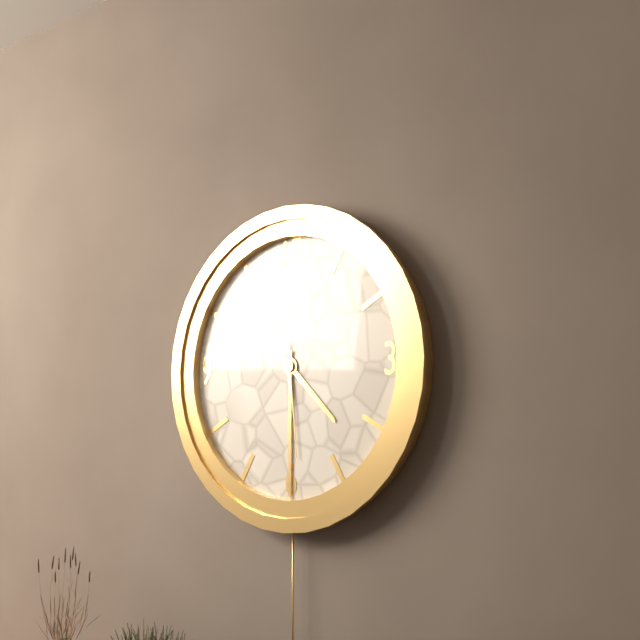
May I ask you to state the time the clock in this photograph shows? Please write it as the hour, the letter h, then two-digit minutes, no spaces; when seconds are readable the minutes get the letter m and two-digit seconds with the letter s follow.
4h30m29s
